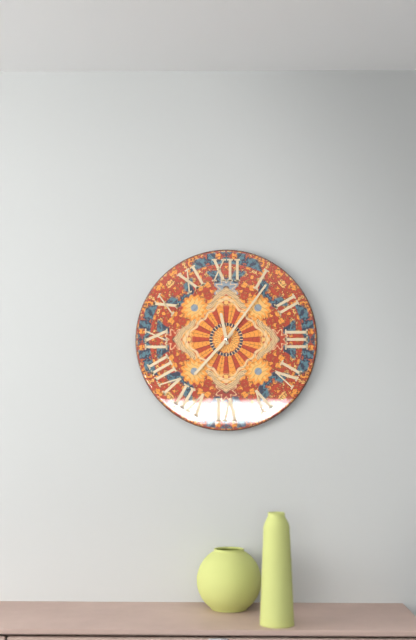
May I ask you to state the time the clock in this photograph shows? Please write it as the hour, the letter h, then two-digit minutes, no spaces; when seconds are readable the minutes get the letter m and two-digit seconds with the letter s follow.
11h37m06s
